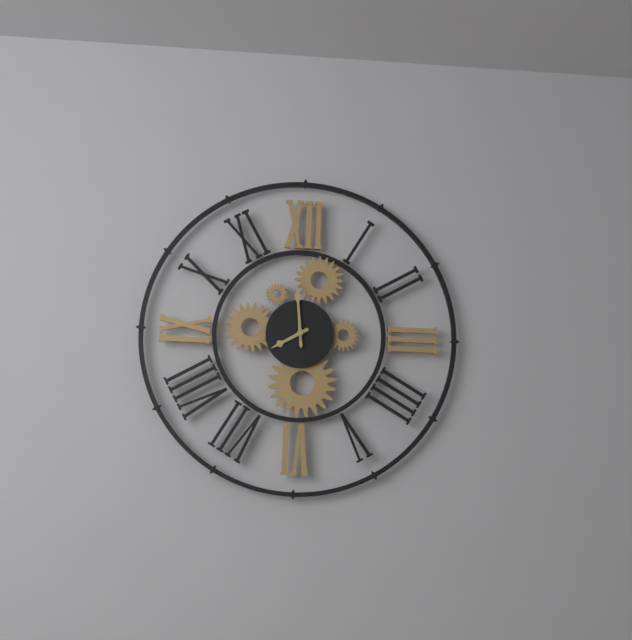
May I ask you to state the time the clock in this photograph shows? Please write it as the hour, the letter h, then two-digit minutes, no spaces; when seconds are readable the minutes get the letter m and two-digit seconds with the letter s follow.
7h59
